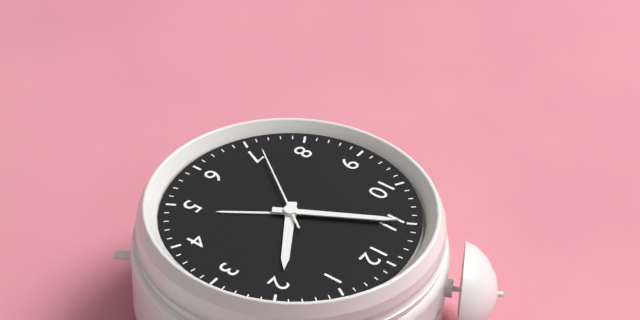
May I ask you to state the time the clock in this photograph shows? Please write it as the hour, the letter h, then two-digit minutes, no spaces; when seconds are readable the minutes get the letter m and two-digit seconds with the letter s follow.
1h55m36s
